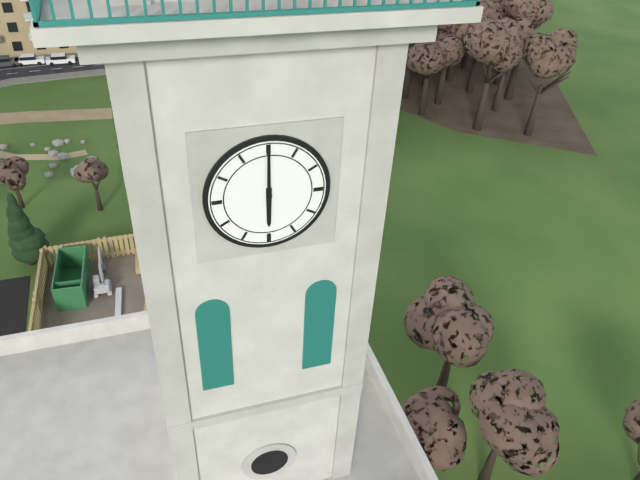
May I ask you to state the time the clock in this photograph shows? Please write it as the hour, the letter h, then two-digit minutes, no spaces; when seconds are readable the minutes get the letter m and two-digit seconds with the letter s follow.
6h00
